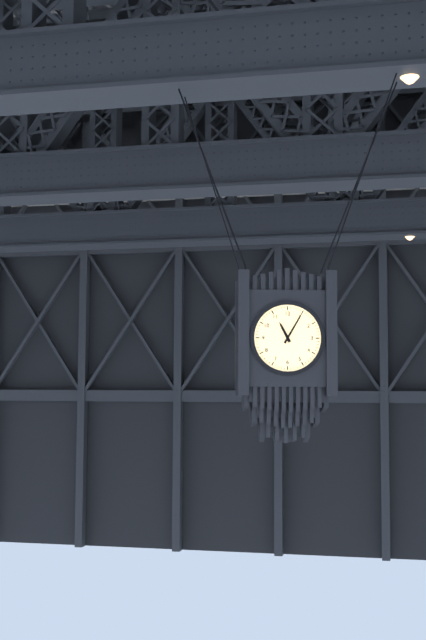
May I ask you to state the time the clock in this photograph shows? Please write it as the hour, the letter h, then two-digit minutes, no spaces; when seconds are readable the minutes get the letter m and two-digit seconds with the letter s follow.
11h05
